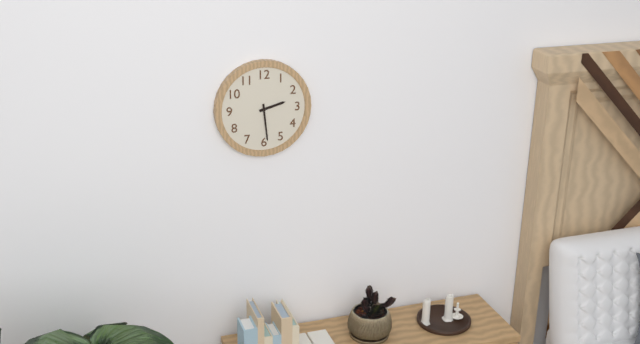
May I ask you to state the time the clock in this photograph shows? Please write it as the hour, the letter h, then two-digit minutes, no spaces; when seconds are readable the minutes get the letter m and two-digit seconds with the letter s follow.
2h29
